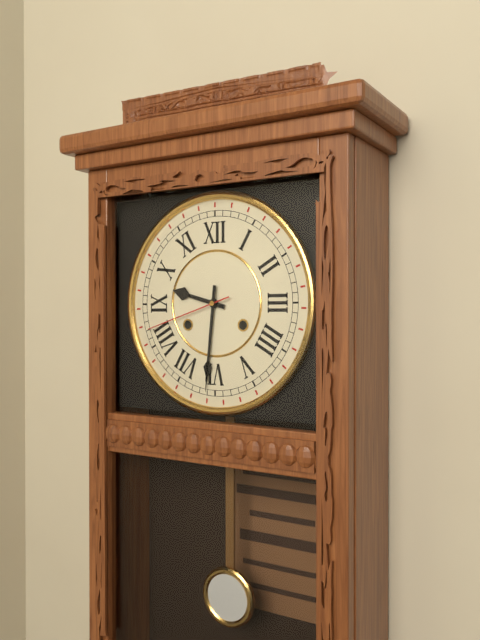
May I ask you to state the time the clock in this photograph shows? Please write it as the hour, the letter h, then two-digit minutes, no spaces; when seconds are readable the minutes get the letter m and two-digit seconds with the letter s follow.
9h31m42s
